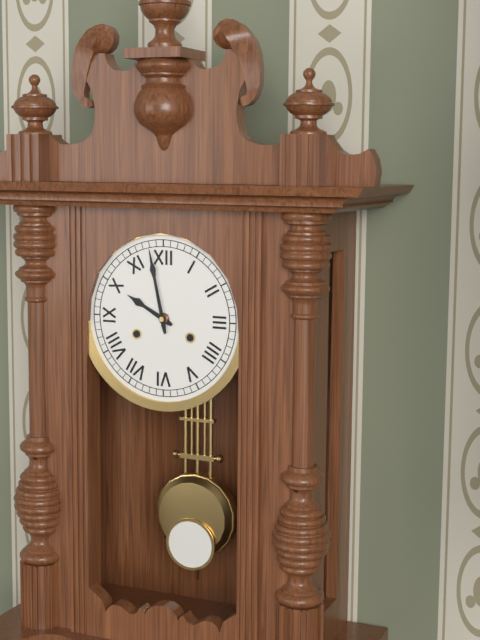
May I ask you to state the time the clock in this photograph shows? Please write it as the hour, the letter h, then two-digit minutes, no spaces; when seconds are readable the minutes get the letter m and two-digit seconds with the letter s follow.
9h58
